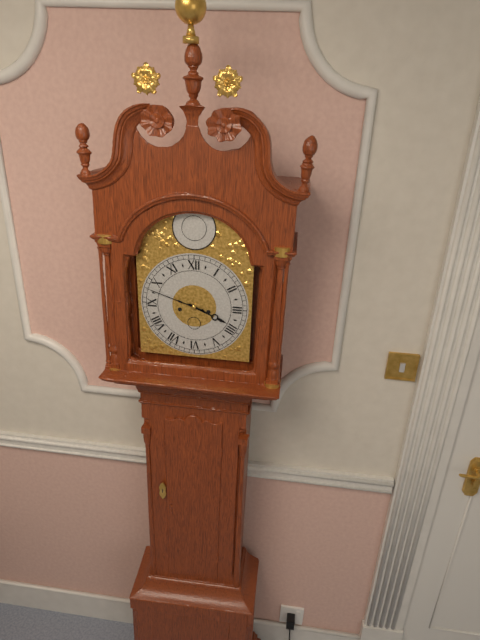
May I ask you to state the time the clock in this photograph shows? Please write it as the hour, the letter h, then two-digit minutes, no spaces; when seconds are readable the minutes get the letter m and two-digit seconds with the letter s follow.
3h48
